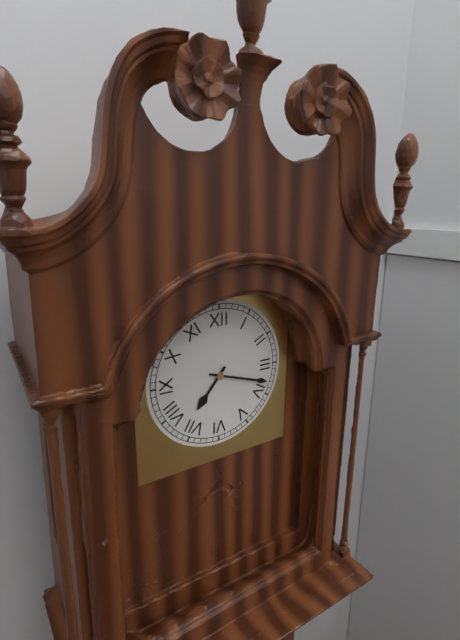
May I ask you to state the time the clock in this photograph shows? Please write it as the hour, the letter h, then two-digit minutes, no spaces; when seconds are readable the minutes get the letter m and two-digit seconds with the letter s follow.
7h18
